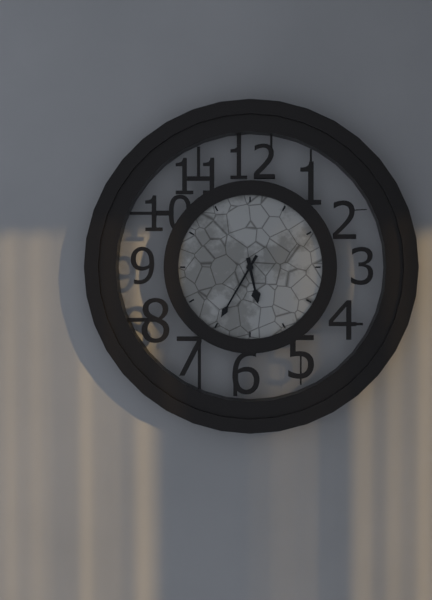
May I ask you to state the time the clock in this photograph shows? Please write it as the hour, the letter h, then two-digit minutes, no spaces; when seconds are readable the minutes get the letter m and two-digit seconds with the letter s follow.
5h35
